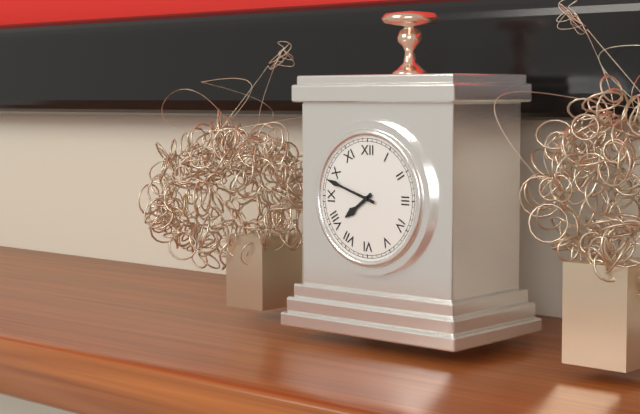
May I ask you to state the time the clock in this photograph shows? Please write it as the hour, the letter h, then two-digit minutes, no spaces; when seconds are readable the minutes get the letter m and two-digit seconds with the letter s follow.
7h48
